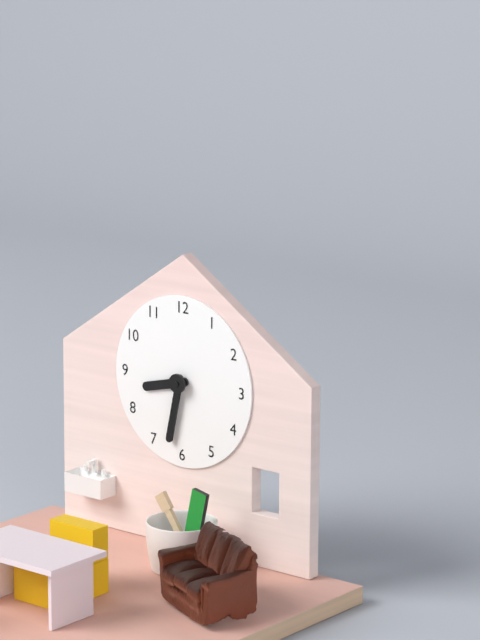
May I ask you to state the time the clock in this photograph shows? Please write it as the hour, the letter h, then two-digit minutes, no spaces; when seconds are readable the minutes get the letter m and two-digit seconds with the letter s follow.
8h32
